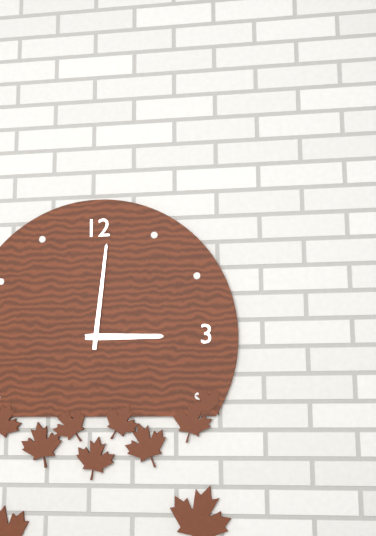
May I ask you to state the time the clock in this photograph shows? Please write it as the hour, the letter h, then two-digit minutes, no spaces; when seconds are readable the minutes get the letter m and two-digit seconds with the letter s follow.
3h01
